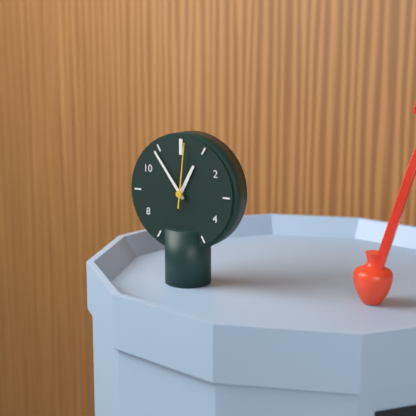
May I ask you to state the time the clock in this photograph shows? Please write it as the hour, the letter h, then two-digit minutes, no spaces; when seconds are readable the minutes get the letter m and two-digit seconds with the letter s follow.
12h54m01s
